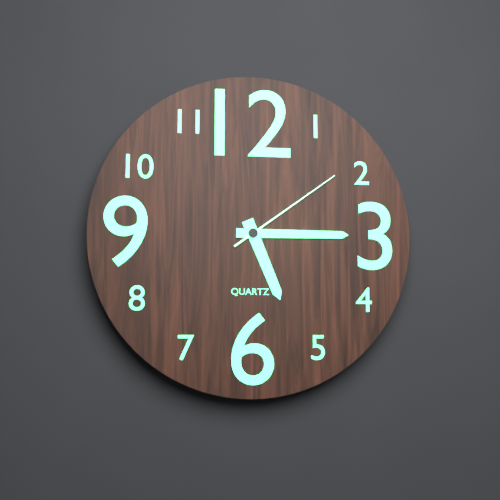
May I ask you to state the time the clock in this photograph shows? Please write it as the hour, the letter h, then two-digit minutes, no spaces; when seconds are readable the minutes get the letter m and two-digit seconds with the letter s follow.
5h15m09s
